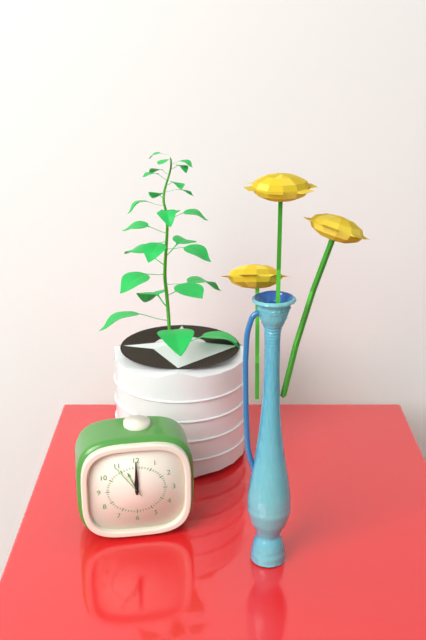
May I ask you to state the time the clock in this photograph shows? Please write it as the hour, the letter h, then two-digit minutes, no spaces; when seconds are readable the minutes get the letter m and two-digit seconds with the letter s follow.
12h00
